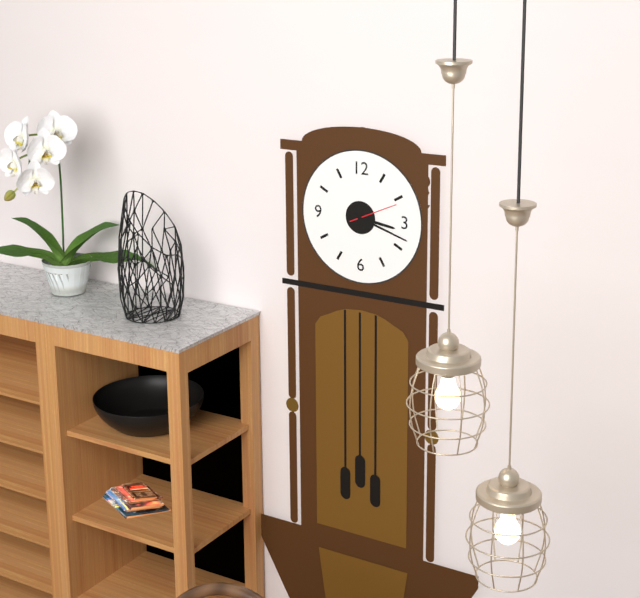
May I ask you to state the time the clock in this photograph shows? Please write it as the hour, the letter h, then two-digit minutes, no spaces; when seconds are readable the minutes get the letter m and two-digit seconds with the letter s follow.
3h18
